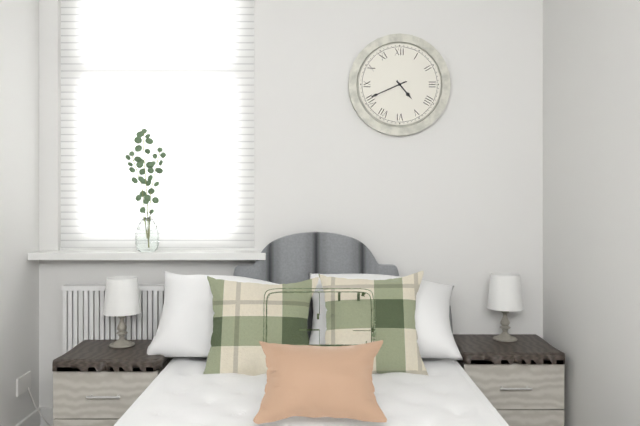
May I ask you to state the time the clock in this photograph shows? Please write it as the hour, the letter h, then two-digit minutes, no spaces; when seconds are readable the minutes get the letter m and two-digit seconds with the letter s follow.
4h41
